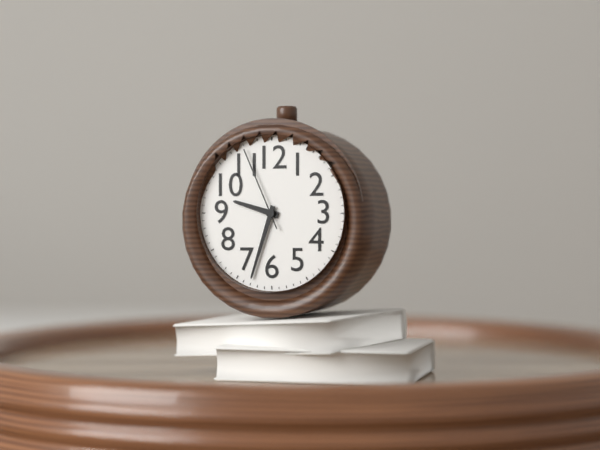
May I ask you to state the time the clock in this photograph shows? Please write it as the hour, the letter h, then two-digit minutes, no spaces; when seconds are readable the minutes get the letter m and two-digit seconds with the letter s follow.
9h33m56s
